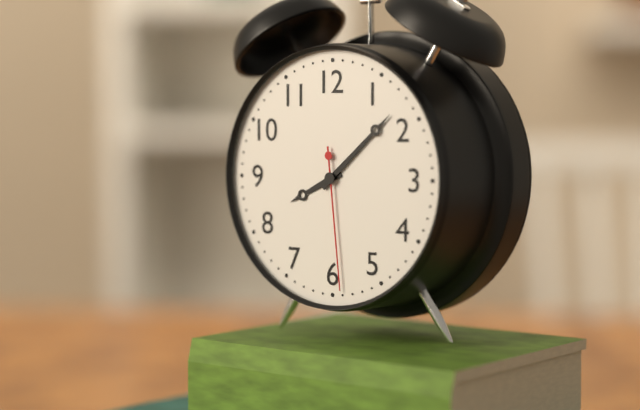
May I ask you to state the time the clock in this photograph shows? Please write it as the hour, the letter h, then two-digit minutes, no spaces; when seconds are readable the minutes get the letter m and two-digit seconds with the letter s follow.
8h08m29s
